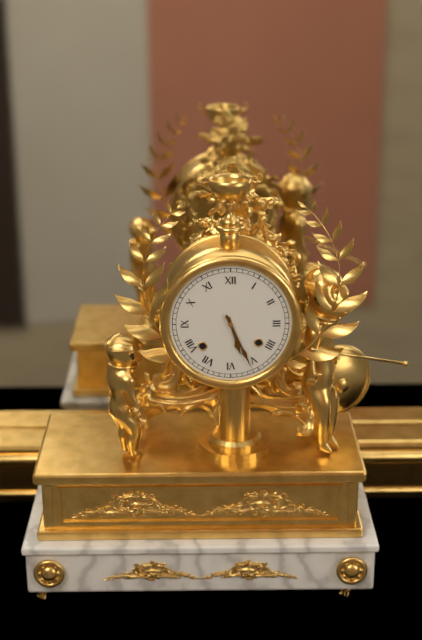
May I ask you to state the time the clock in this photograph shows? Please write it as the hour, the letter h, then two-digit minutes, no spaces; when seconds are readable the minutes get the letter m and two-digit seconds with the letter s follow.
5h26
